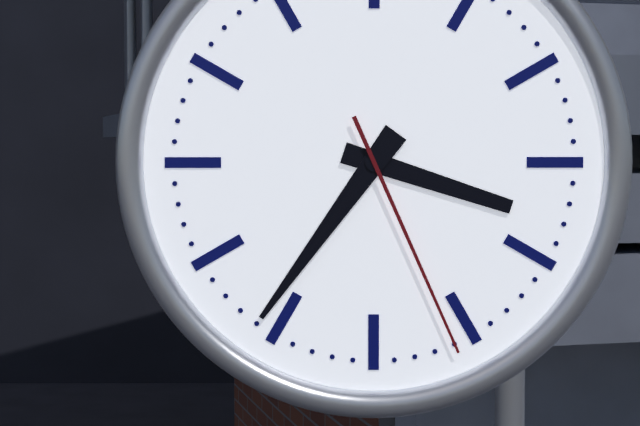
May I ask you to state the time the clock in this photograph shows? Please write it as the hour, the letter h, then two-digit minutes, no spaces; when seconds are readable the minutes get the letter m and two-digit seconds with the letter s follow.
3h36m26s
